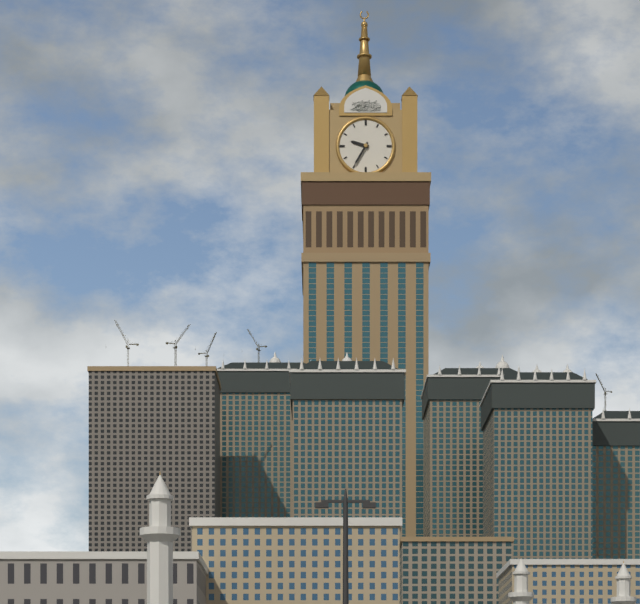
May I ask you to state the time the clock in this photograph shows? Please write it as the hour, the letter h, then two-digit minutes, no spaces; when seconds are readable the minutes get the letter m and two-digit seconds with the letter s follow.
9h35
